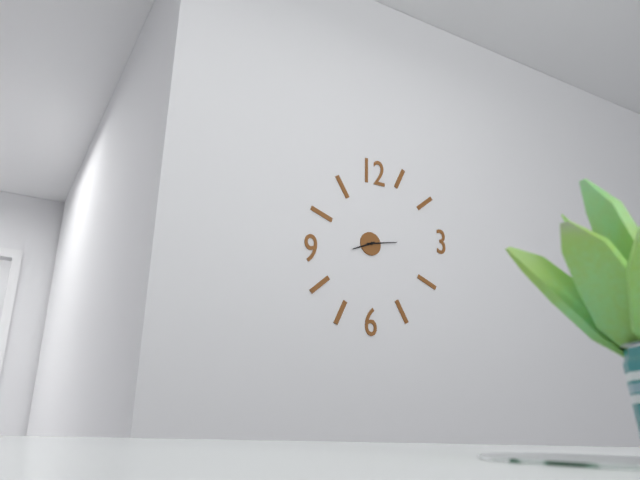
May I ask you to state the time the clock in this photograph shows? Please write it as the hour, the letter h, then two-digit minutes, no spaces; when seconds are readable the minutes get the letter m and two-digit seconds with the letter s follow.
8h13
